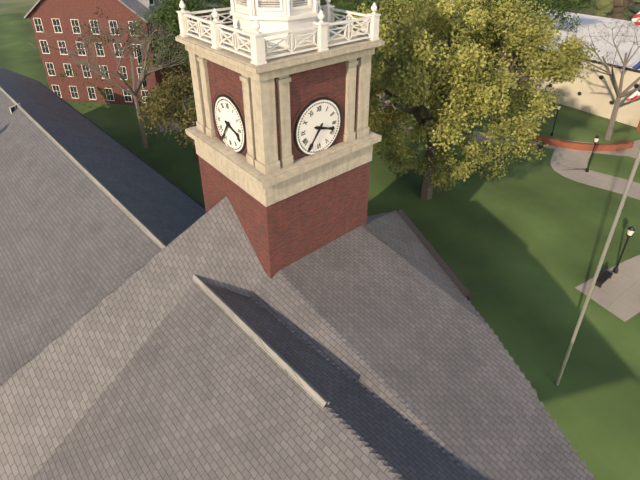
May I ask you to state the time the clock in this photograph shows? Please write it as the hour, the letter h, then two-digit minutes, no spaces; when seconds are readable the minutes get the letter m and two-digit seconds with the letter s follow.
3h36
